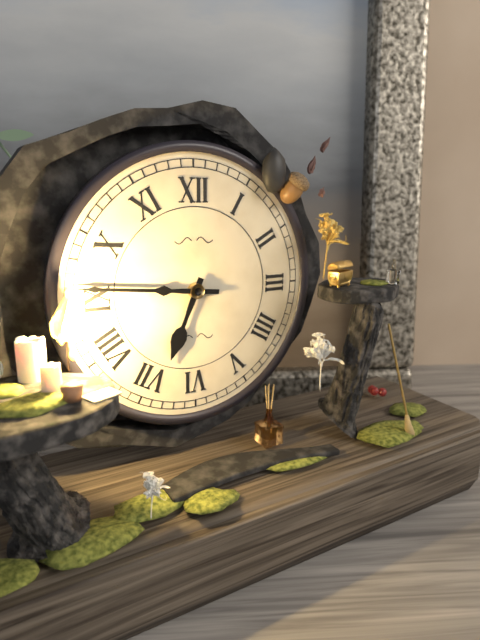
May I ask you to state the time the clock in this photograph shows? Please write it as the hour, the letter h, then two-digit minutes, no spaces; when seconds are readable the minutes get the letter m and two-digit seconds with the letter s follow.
6h46
